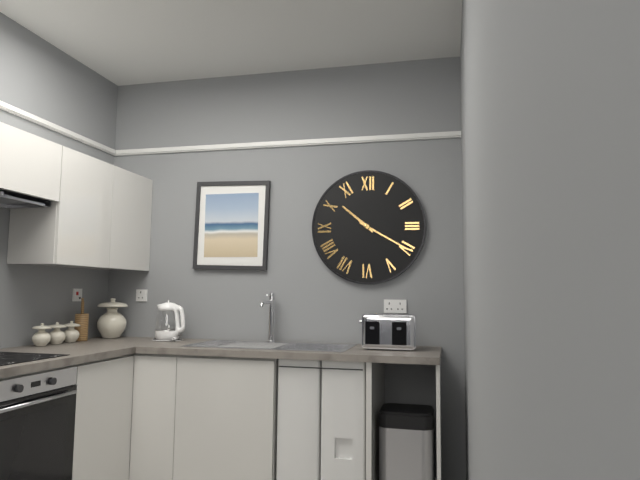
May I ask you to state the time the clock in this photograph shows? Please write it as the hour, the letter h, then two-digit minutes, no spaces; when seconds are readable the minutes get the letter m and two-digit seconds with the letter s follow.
10h20
